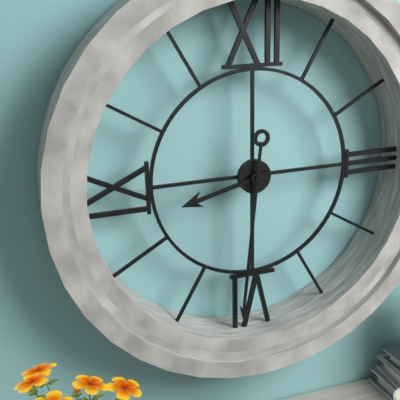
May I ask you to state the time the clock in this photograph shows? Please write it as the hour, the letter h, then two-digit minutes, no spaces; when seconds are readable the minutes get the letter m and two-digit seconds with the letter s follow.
8h31
